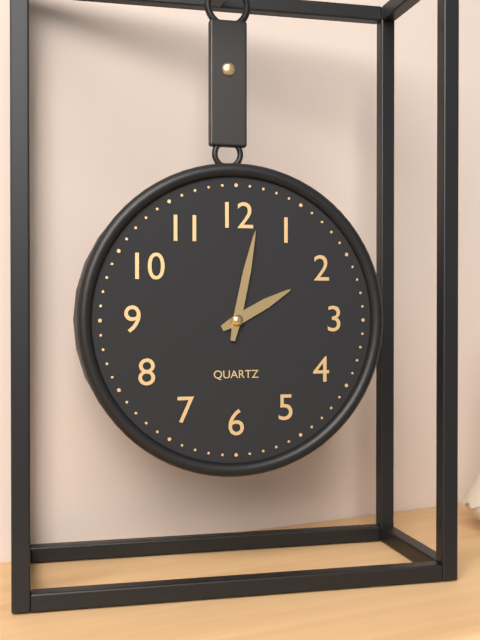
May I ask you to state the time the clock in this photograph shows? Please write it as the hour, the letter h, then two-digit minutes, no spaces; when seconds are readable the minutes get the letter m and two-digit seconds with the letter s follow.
2h02
